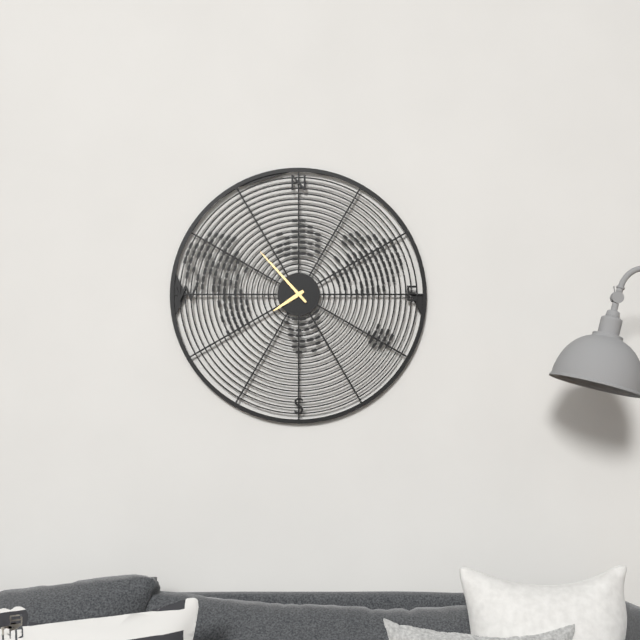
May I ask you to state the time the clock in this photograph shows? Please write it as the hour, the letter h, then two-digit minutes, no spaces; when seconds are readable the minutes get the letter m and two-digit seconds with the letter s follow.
7h53
